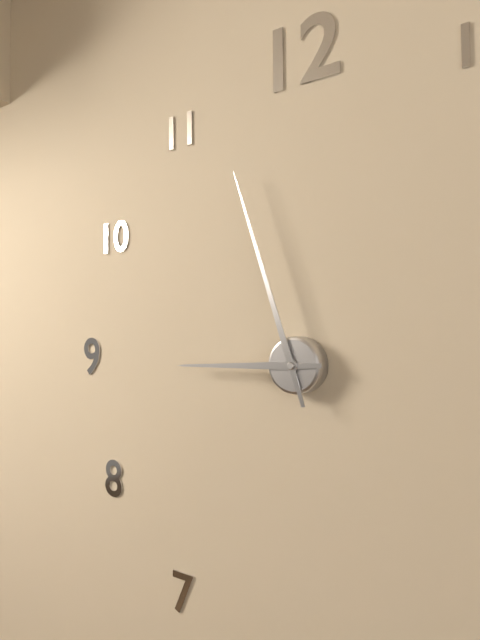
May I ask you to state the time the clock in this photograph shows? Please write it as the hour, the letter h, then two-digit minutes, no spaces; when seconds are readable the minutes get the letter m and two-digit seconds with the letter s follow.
8h57
